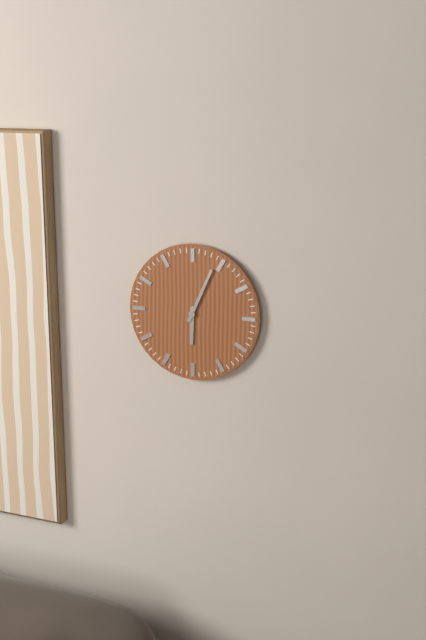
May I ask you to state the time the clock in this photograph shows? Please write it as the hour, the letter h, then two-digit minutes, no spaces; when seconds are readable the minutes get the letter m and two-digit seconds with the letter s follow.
6h04
